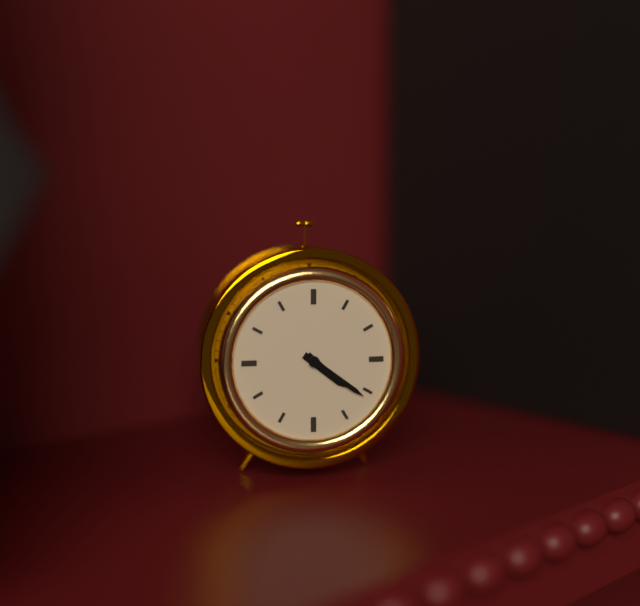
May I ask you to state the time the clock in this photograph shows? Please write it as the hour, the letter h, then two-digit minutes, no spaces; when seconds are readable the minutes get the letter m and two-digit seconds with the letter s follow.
4h21
